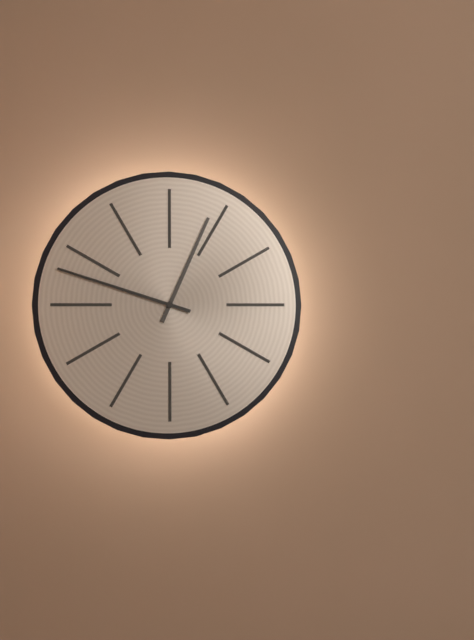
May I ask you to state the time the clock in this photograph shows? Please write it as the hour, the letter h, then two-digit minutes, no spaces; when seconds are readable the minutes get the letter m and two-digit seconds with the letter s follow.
12h48
